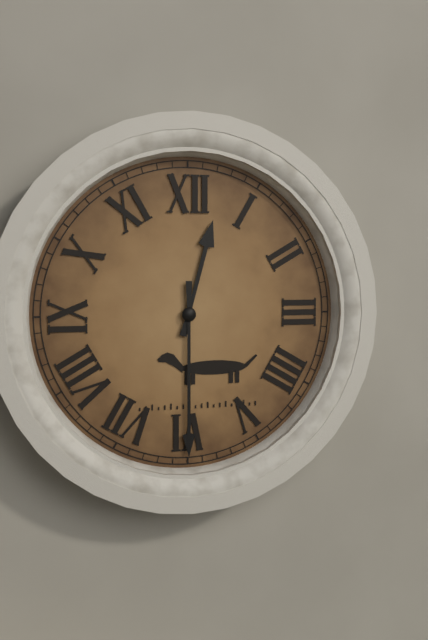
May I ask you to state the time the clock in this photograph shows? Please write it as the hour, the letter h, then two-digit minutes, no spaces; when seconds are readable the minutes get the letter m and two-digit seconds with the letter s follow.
12h30
